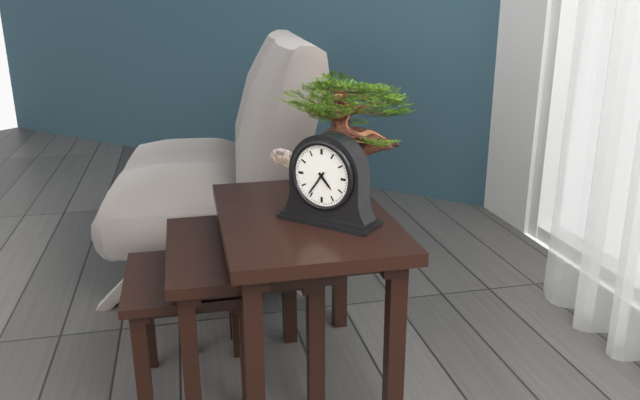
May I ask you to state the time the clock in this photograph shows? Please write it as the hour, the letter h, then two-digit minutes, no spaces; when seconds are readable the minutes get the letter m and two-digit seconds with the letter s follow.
4h36
